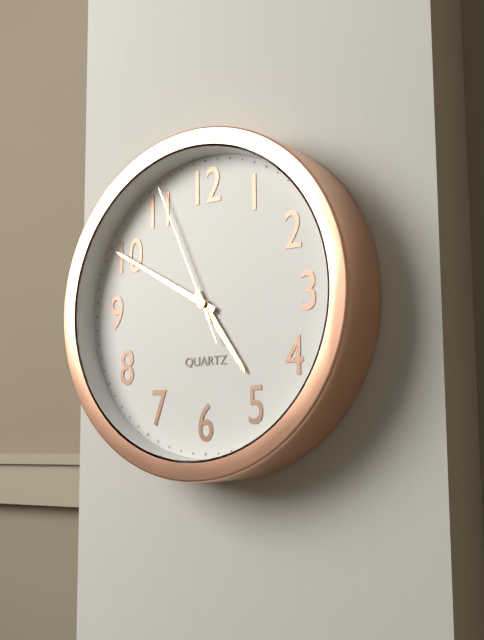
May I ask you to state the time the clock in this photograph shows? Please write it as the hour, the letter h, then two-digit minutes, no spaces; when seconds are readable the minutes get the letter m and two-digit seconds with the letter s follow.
4h50m56s
